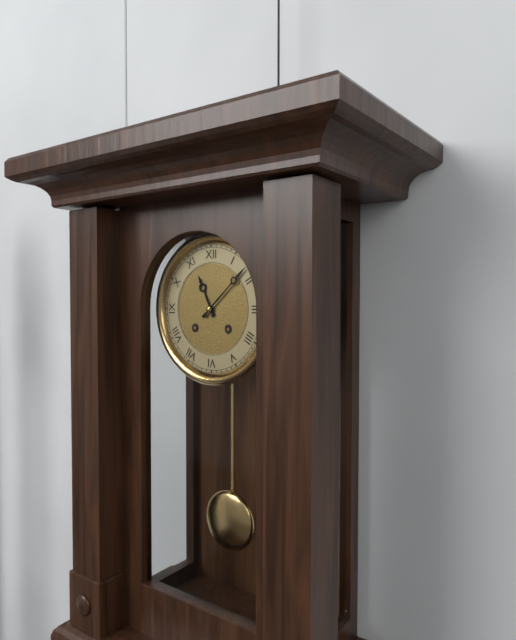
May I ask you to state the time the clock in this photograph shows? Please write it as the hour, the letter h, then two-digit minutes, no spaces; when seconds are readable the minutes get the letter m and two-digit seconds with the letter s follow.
11h08
